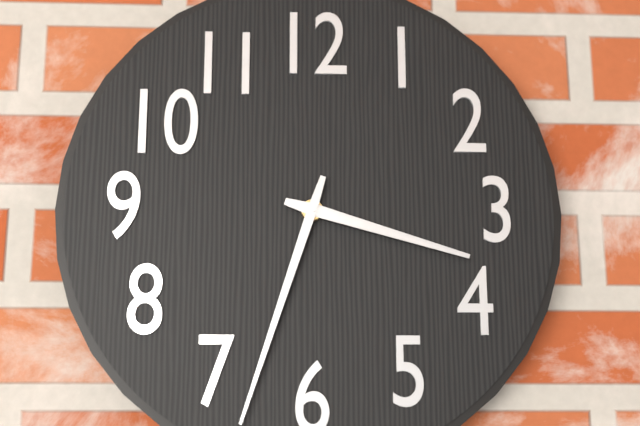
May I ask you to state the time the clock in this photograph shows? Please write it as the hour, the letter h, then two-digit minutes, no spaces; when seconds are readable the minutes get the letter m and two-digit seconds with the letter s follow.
3h33
